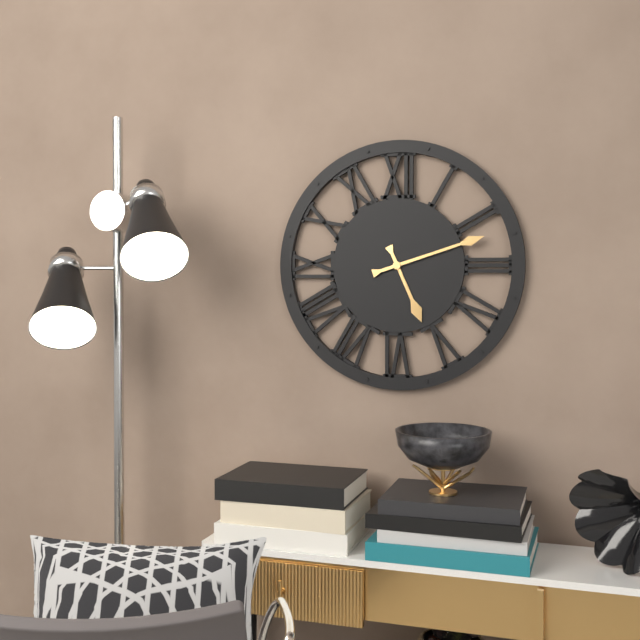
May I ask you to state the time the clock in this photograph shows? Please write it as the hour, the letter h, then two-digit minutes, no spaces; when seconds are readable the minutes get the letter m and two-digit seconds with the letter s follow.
5h12
